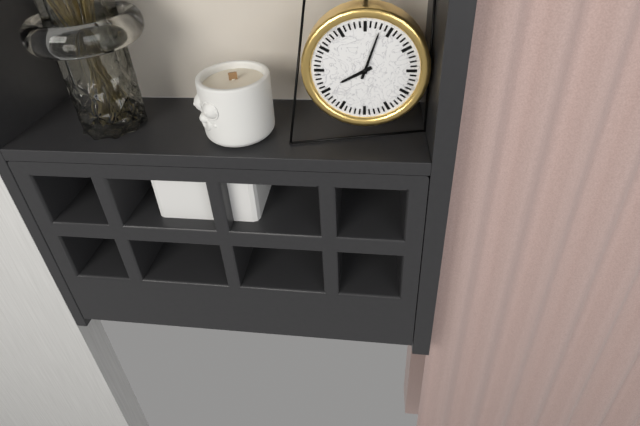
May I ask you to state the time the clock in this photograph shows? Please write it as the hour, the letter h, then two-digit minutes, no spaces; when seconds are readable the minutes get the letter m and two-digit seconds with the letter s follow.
8h03
